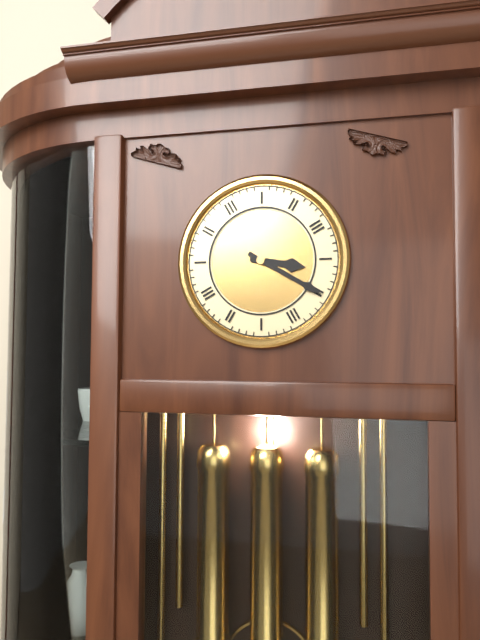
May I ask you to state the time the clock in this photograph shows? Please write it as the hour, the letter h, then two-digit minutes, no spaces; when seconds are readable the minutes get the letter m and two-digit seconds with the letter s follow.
3h20
